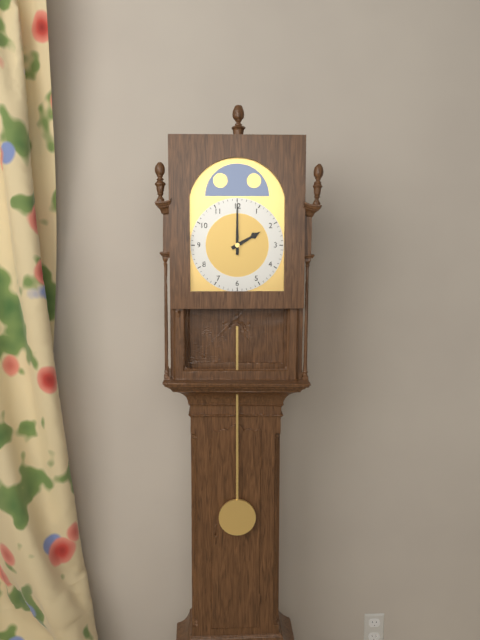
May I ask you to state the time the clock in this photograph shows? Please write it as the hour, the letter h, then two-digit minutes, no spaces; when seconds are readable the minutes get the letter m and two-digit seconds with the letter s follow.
2h00
